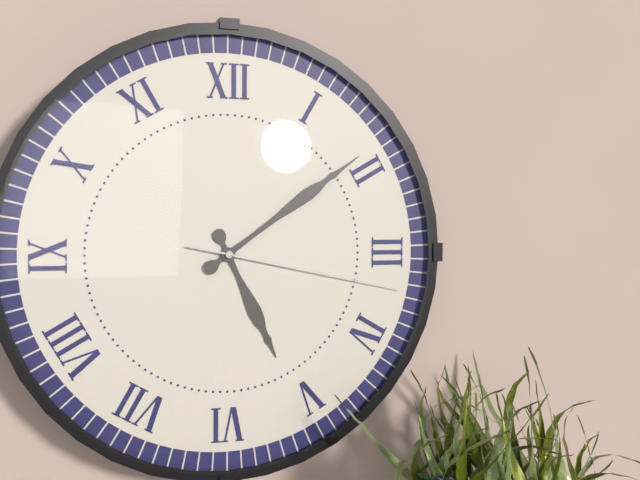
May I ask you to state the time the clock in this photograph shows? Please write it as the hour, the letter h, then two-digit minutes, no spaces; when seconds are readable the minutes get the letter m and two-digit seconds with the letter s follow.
5h09m17s
